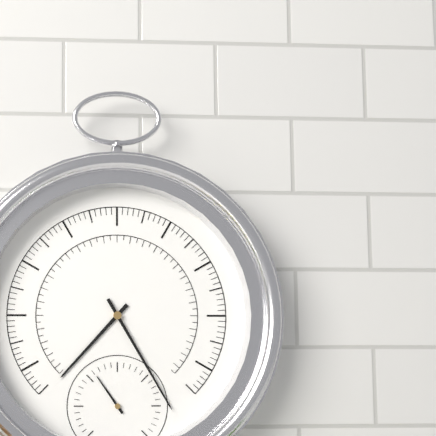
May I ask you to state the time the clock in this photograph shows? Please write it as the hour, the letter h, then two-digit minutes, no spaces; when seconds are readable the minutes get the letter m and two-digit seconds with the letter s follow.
7h25
